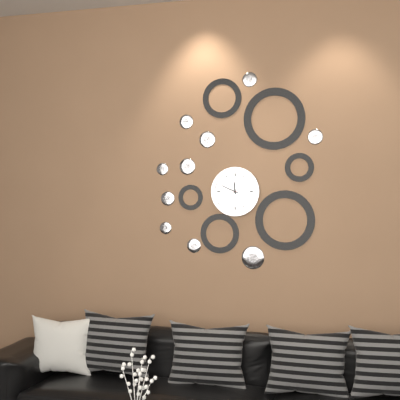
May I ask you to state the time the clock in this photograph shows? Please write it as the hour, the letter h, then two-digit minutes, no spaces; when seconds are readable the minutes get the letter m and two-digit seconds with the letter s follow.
11h49
